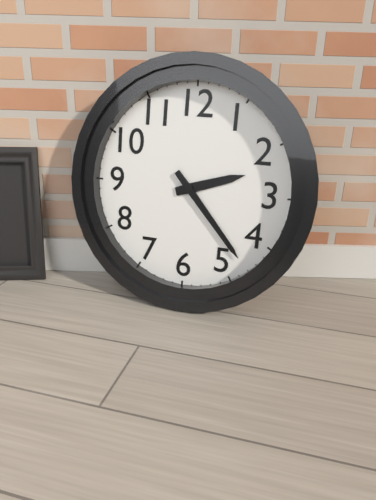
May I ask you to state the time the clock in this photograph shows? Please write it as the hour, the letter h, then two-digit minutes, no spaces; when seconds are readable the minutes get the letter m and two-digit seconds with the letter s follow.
2h23
